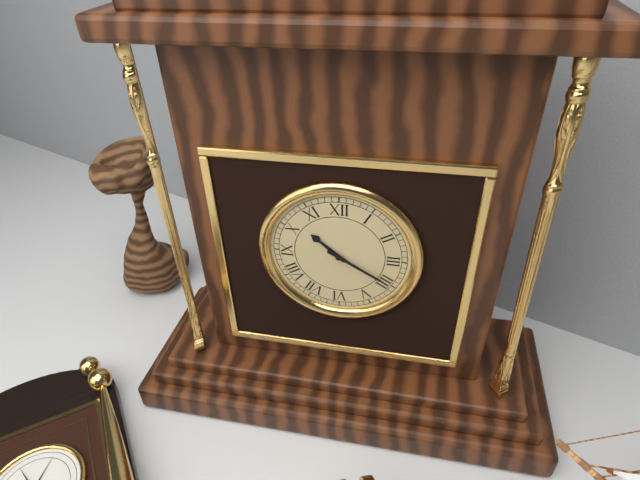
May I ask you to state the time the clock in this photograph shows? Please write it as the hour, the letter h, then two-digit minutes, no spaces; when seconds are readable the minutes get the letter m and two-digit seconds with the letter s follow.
10h20
